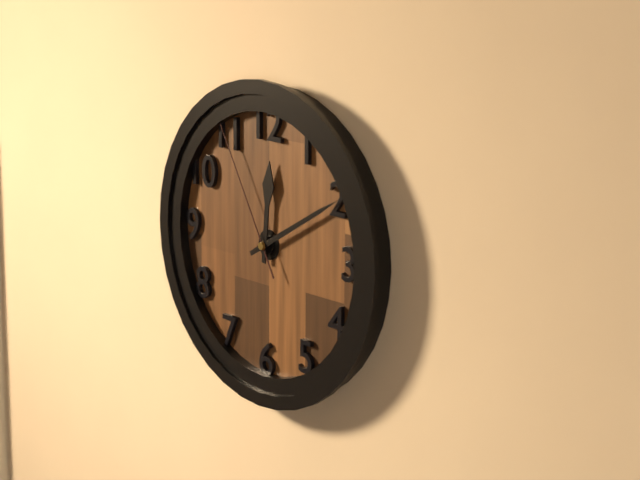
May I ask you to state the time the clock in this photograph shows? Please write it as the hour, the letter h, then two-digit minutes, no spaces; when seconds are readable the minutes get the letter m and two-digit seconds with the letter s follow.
12h10m55s
